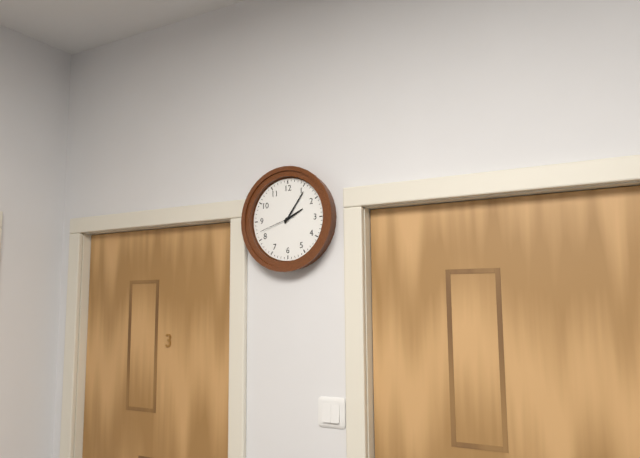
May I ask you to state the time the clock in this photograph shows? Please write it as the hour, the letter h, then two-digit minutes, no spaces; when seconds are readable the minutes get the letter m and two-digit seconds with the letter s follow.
2h06
